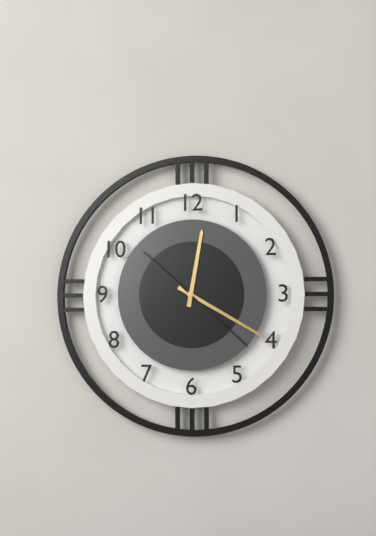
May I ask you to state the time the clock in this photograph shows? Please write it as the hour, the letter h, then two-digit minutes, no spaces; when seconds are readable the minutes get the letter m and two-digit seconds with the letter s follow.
12h20m22s
